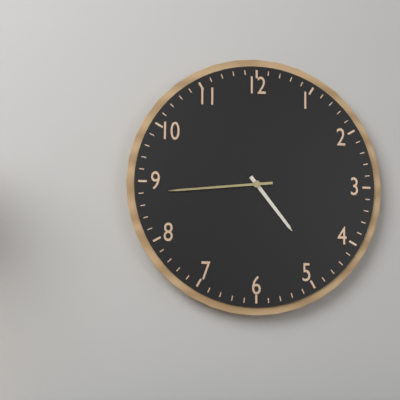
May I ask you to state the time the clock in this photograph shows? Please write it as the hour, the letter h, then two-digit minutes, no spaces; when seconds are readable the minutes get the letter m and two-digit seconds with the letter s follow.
4h44
